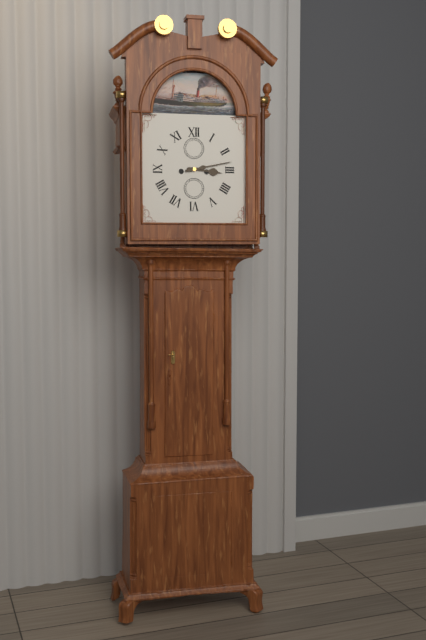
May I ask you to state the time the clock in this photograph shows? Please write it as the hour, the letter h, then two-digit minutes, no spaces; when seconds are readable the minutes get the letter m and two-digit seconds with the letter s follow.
3h13
